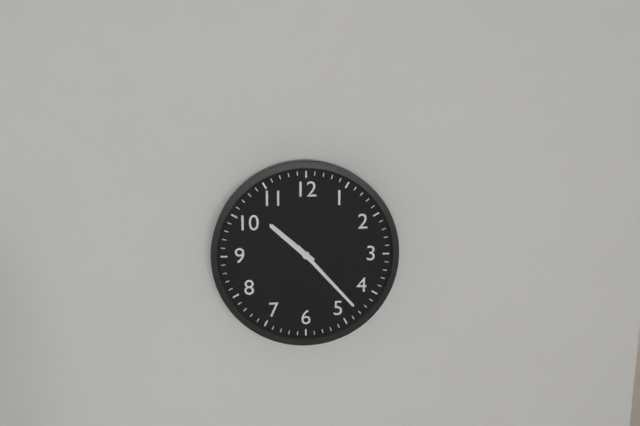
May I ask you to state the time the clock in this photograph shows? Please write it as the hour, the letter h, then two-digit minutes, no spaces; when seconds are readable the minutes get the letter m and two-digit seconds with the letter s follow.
10h23
